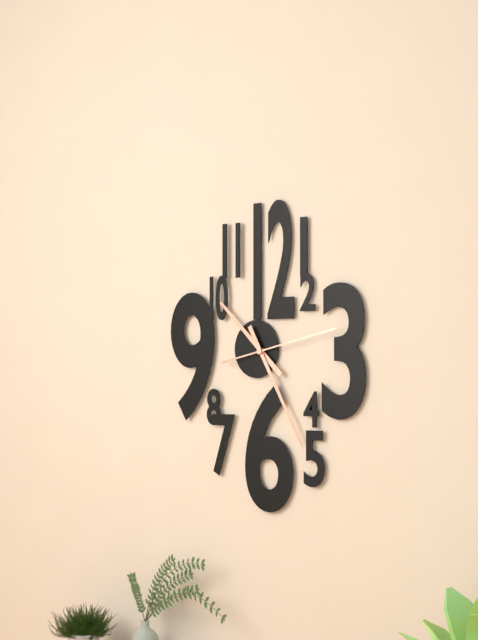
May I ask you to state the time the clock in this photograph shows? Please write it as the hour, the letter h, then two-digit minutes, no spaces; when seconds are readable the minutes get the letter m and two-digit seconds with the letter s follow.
10h25m13s
